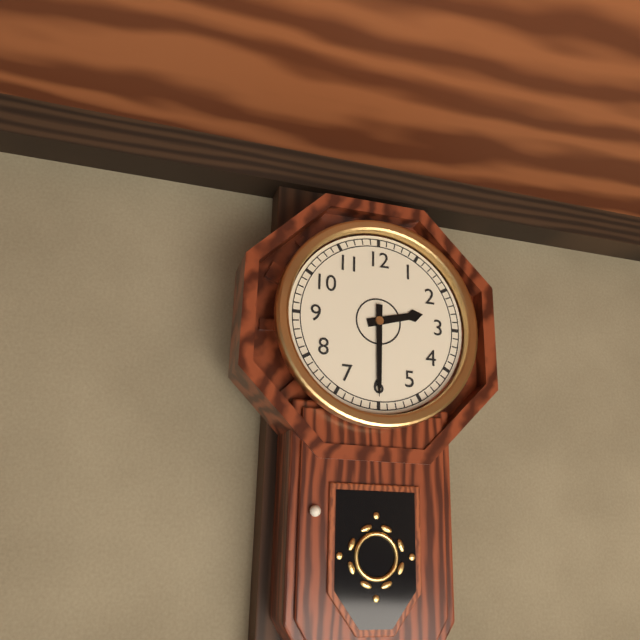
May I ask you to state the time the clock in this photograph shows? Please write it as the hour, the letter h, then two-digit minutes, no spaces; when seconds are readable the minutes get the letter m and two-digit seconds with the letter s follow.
2h30
